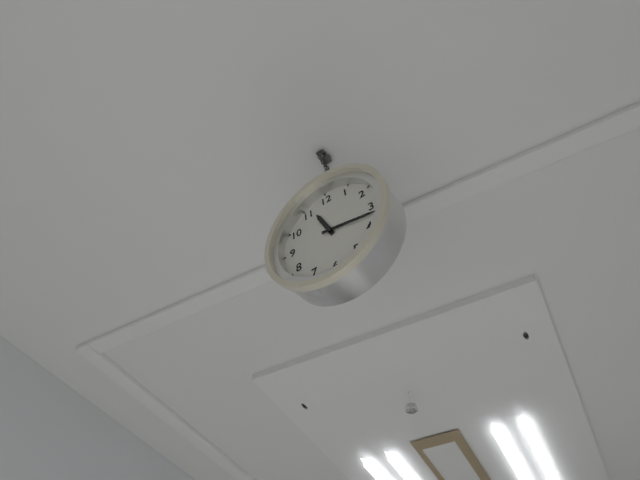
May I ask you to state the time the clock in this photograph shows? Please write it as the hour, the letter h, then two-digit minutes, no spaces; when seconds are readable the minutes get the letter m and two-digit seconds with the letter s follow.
11h17
